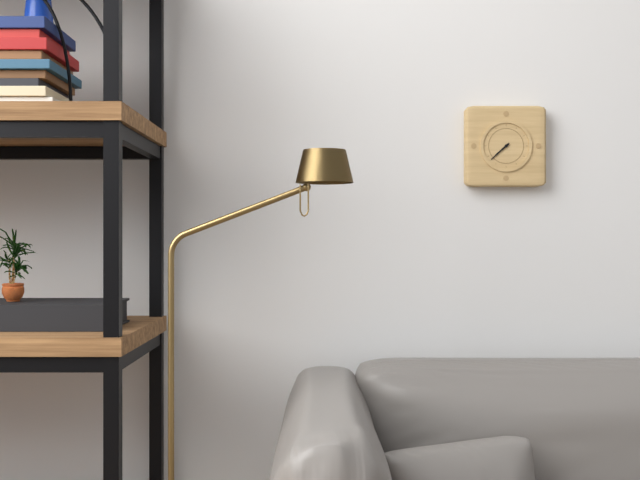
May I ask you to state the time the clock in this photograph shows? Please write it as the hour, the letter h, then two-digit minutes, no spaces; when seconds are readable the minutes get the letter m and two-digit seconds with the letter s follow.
7h38
